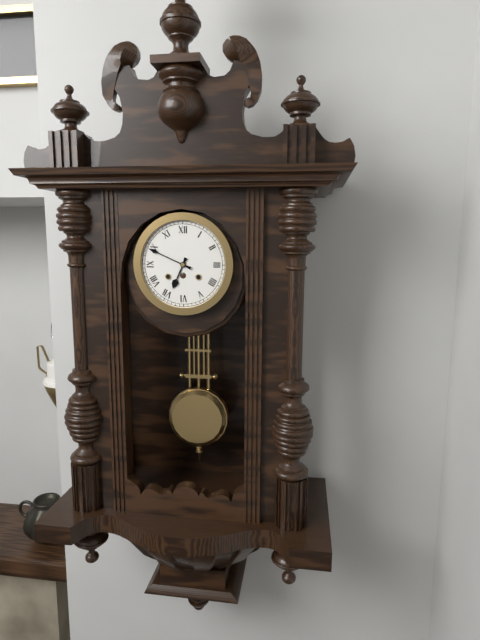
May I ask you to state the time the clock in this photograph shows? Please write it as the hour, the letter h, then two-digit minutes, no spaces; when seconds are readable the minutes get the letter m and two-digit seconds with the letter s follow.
6h49
